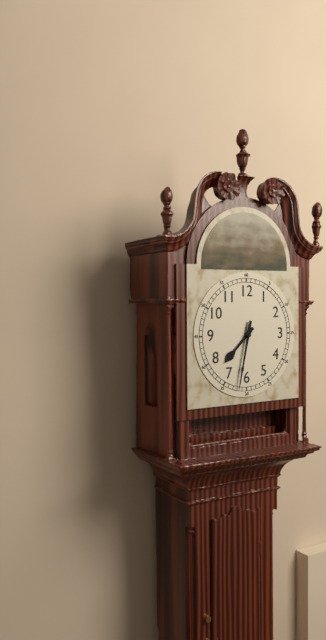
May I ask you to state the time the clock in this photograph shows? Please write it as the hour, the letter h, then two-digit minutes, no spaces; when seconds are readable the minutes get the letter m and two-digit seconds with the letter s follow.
7h32
